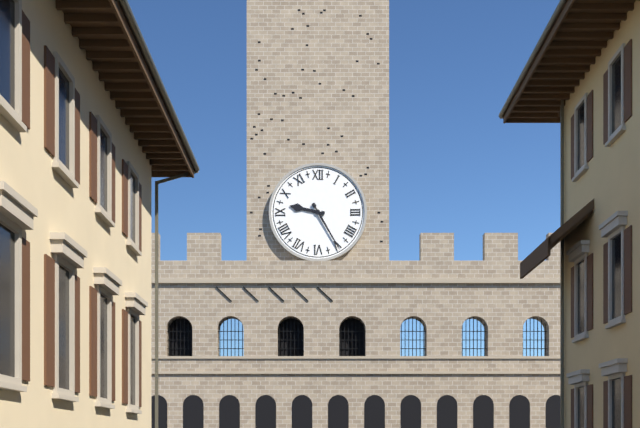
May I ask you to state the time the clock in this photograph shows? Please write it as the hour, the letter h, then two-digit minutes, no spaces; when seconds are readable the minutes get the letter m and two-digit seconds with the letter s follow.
9h25
